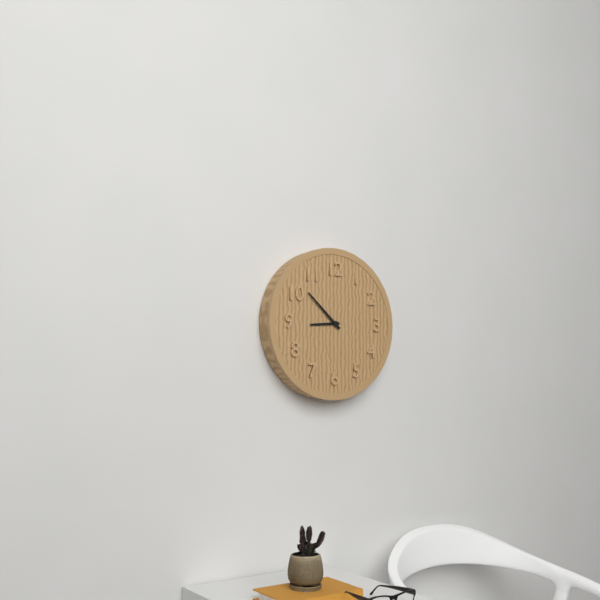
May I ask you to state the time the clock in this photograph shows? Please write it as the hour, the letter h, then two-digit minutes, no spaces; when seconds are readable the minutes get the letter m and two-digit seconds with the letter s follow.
8h52
